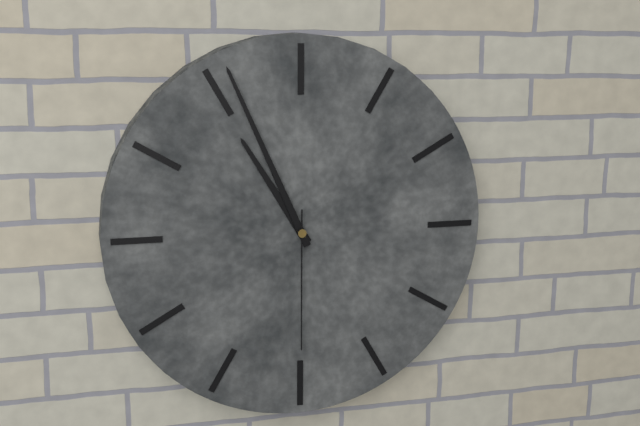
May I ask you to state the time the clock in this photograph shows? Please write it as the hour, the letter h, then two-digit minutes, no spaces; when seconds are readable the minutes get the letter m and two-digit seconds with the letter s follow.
10h56m30s
